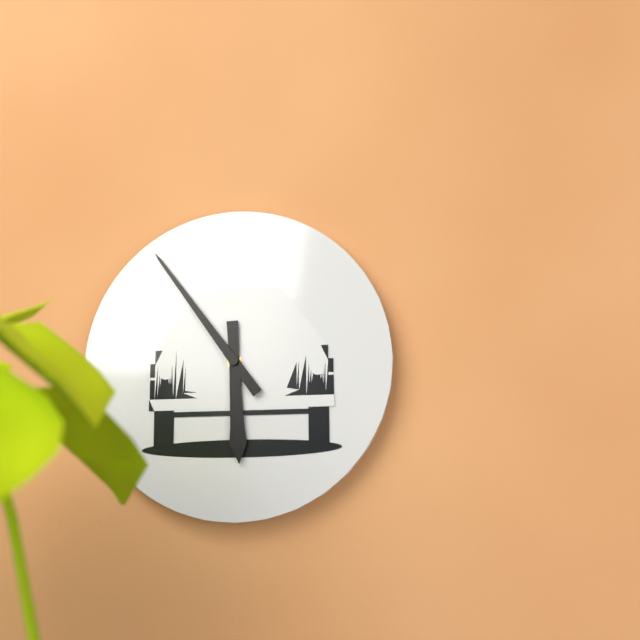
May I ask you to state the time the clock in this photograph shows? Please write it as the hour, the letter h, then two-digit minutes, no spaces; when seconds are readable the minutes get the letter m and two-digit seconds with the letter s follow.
5h54
